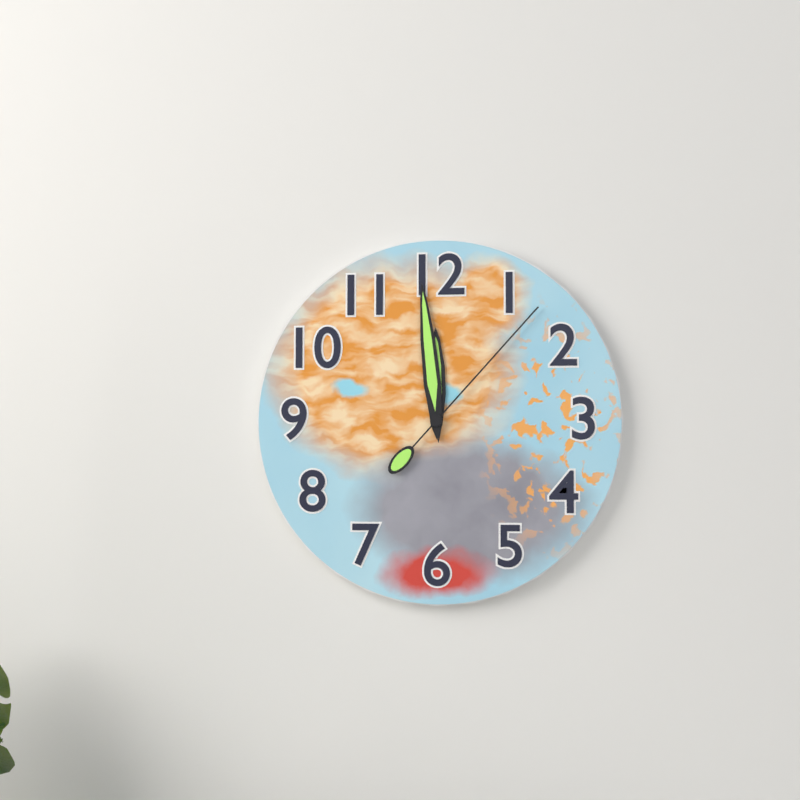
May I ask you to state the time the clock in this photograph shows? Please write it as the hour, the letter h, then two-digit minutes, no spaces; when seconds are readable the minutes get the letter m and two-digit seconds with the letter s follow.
11h59m07s
